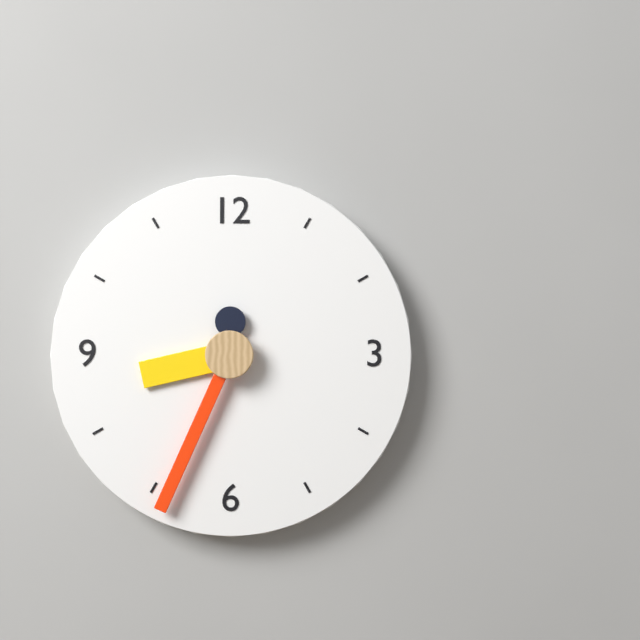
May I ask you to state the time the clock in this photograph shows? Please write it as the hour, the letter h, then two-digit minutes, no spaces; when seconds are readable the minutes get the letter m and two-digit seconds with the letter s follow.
8h34
